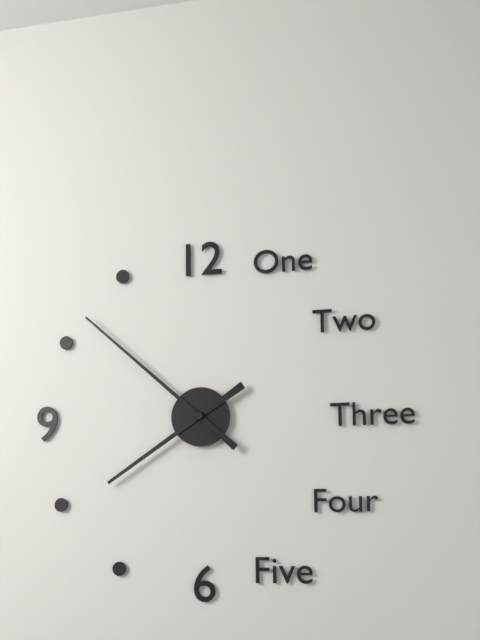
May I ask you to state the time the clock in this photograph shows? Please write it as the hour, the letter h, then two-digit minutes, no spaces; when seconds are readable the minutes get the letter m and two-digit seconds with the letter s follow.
7h52
